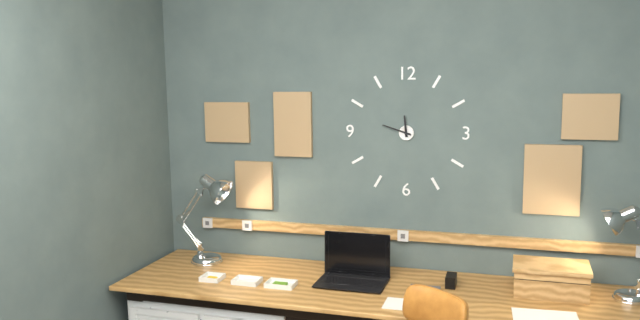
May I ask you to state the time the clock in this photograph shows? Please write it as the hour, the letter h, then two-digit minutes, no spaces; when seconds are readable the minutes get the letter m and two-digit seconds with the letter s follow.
11h48
